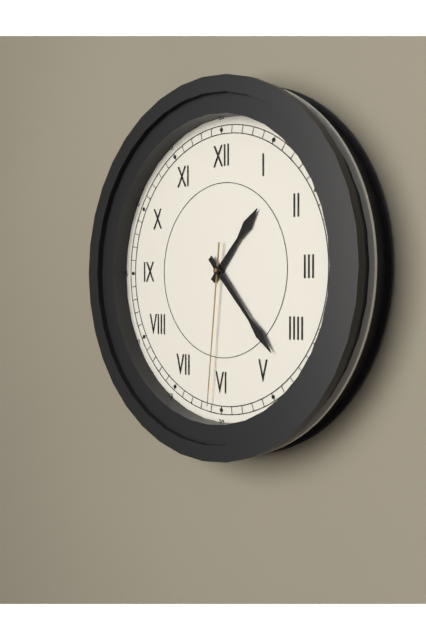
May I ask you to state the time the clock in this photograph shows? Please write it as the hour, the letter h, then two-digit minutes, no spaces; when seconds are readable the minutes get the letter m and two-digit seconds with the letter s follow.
1h23m31s
